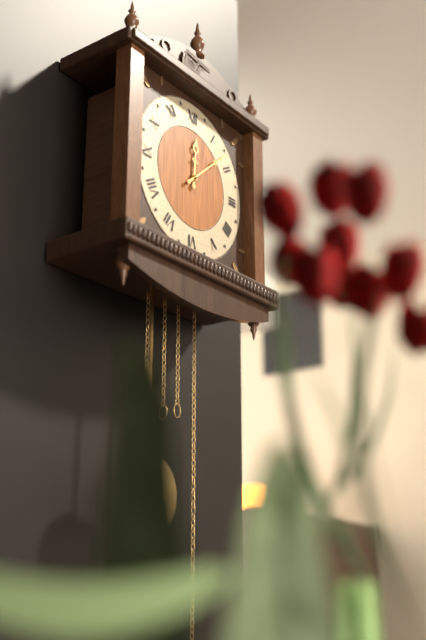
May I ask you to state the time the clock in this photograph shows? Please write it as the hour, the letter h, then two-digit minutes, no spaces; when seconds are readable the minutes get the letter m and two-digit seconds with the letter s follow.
12h08
